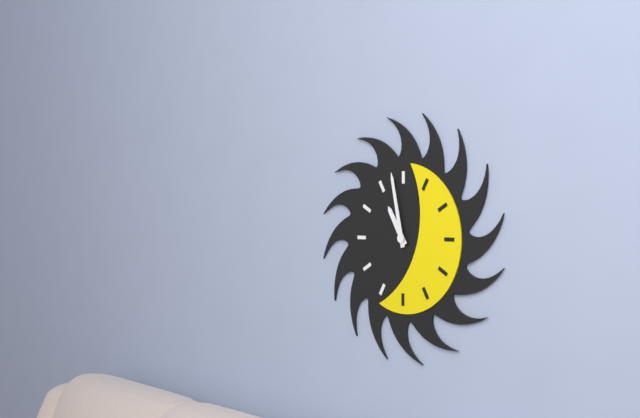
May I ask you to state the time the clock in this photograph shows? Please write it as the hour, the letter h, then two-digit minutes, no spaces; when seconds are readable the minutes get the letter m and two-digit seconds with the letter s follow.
10h58
